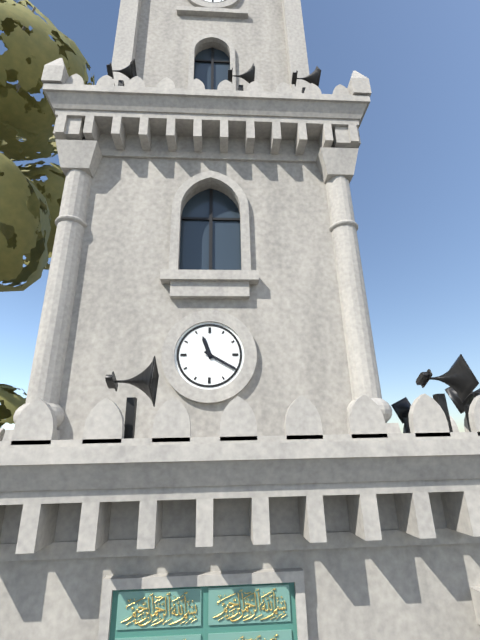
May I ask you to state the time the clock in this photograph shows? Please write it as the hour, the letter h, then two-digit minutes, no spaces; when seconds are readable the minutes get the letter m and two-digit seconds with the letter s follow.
11h20
